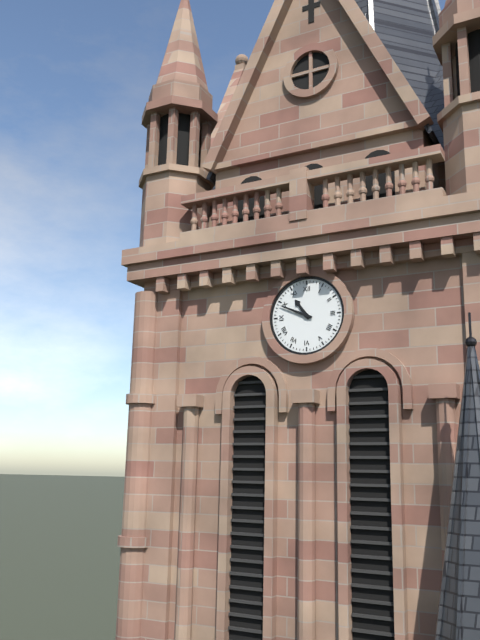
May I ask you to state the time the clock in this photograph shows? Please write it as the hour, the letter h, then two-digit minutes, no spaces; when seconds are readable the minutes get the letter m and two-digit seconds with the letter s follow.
10h49
